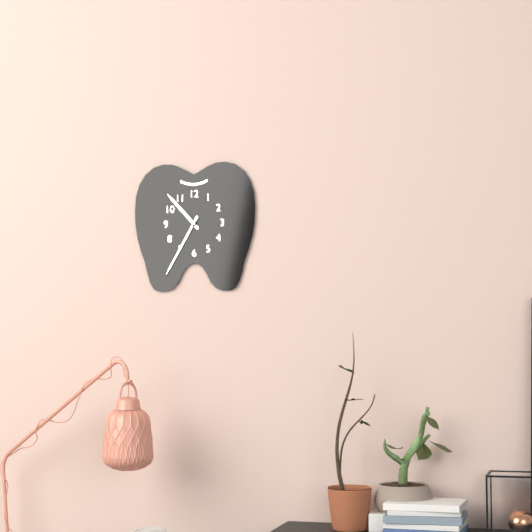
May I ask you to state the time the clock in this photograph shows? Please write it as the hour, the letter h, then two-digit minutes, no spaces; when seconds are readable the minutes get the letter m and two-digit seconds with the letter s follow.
10h35
